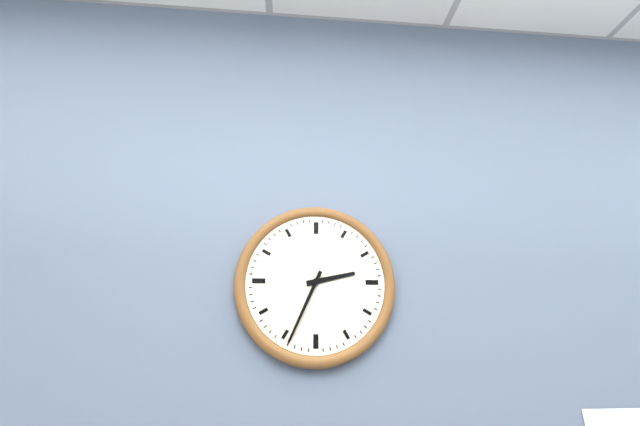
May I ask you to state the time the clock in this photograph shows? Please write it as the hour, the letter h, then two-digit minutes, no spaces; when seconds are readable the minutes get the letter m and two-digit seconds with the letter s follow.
2h34
